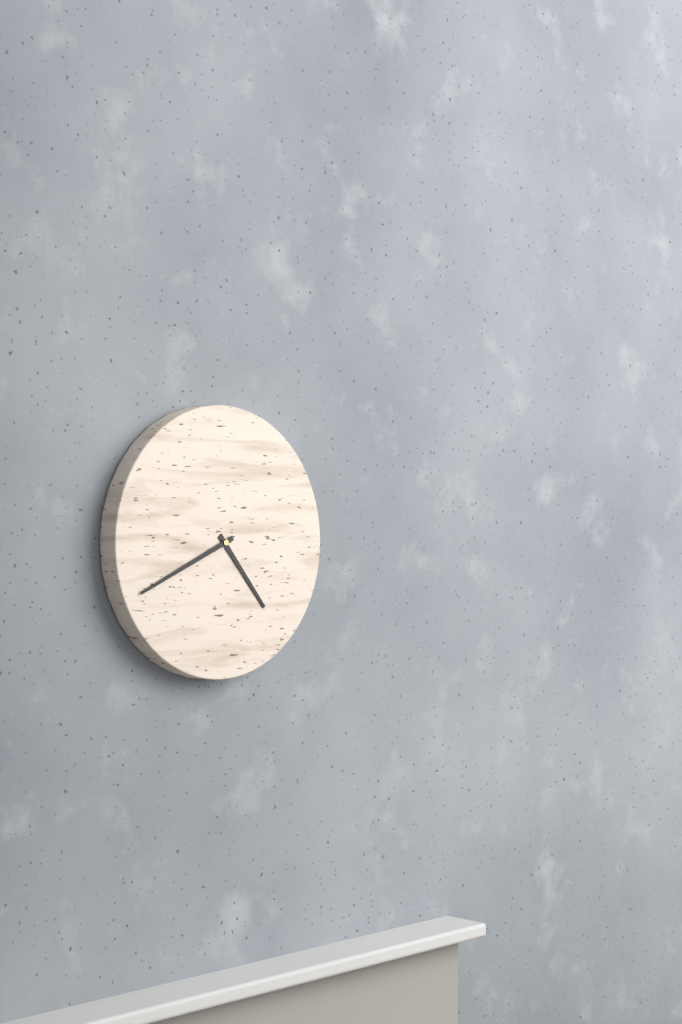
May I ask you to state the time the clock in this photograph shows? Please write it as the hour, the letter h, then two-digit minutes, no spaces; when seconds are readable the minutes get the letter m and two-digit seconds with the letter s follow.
4h41
